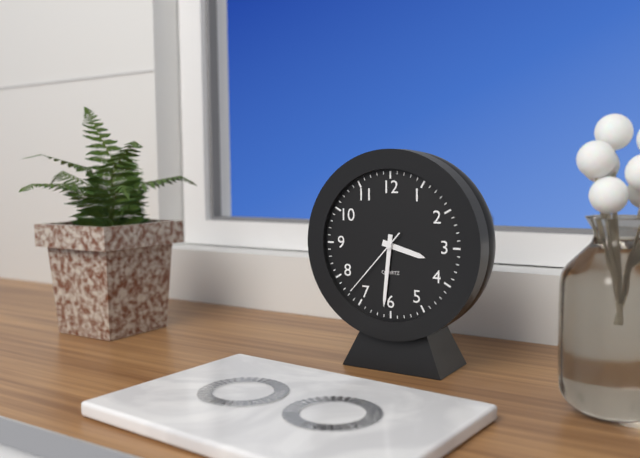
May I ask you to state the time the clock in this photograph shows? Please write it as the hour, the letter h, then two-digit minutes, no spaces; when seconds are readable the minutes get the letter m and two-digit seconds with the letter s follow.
3h31m37s
